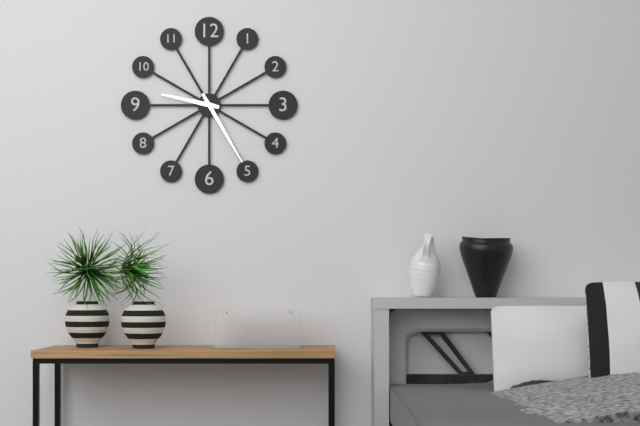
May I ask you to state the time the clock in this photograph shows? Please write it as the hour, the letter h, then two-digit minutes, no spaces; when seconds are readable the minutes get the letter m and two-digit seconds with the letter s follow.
9h25
